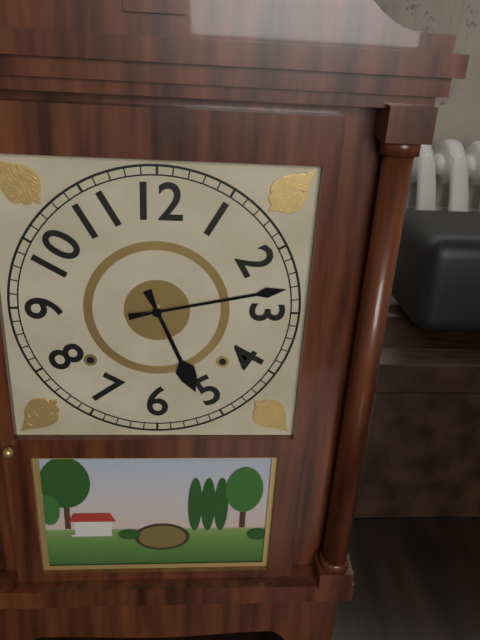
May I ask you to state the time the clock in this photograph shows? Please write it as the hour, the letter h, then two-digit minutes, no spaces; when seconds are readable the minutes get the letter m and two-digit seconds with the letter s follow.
5h13
